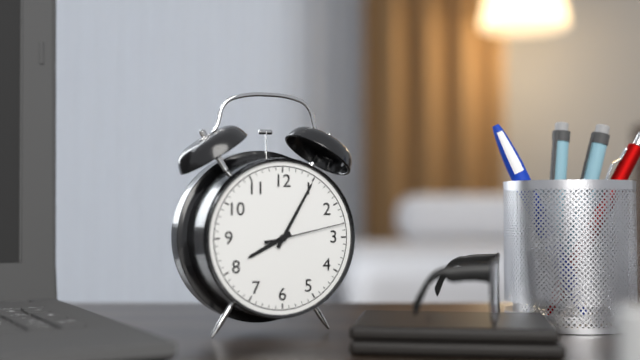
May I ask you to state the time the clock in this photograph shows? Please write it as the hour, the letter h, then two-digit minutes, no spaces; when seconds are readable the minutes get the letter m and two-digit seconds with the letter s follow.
8h05m13s
